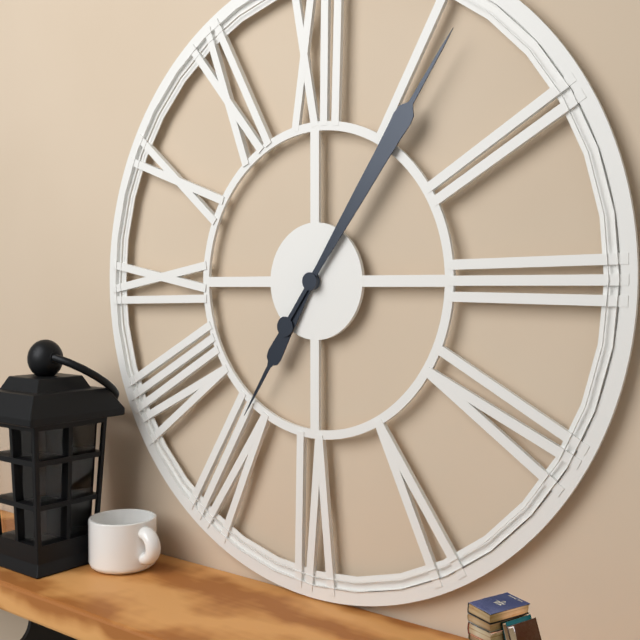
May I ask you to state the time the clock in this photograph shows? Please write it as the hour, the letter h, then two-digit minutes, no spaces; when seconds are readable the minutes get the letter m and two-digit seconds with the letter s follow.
7h06
